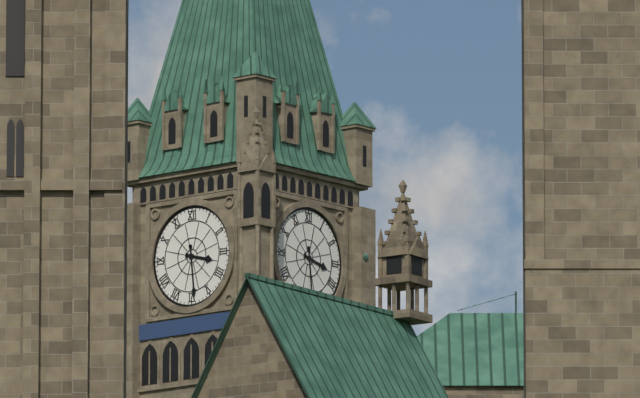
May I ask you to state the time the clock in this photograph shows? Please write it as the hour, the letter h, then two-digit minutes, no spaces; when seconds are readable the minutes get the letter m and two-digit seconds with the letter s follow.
3h29
